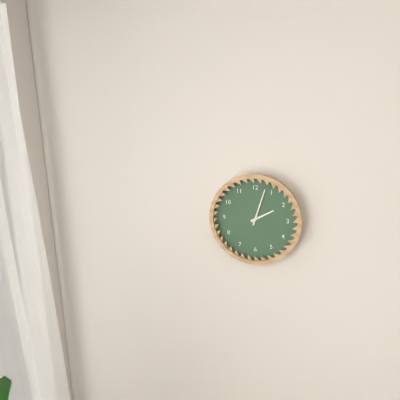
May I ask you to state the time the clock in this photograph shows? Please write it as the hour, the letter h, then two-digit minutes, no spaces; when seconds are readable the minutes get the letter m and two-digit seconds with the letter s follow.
2h03
